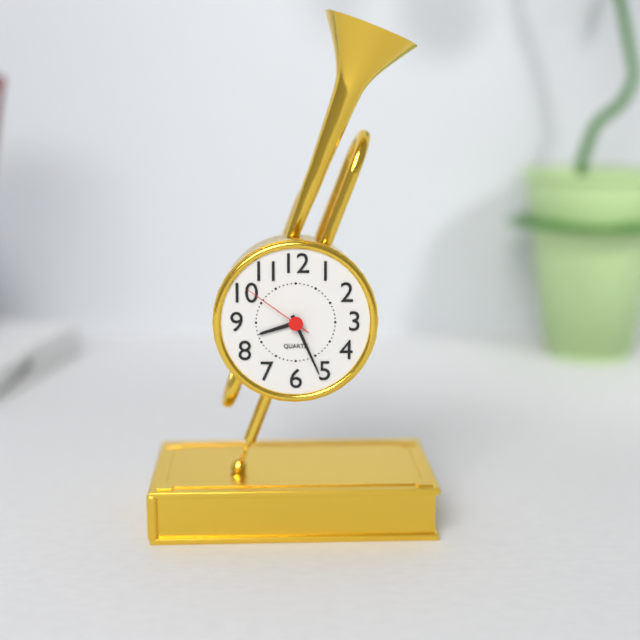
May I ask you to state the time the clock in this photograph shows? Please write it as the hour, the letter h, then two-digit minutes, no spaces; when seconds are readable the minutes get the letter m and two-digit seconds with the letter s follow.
8h26m51s
